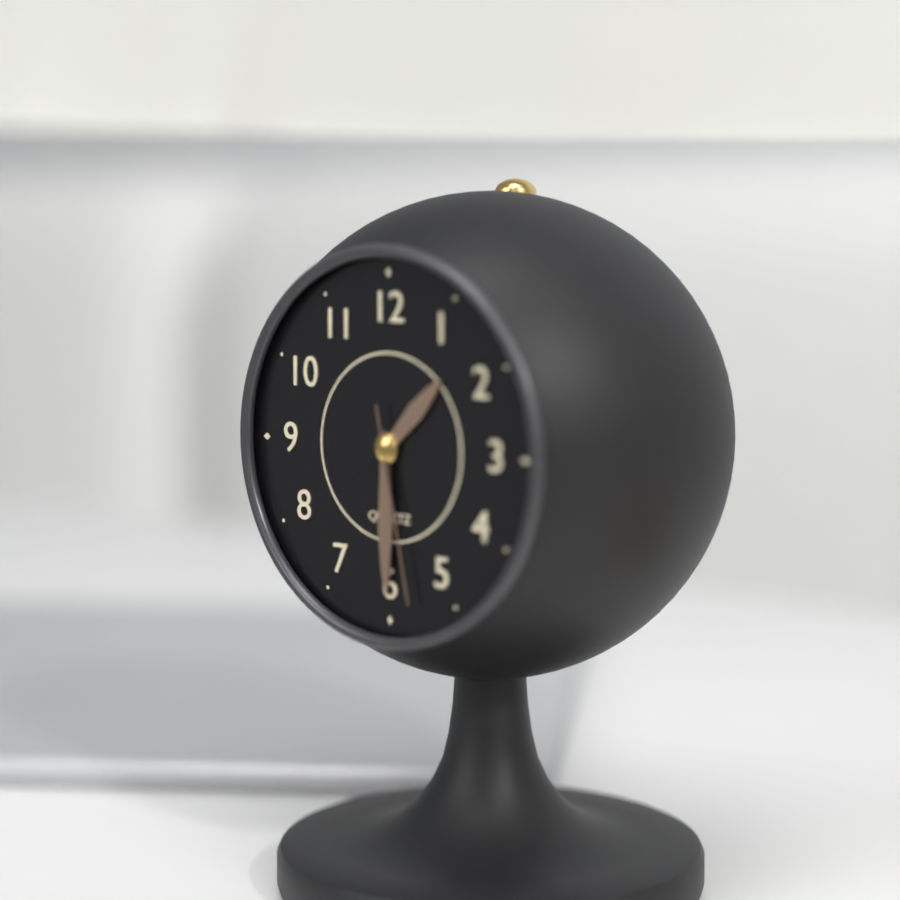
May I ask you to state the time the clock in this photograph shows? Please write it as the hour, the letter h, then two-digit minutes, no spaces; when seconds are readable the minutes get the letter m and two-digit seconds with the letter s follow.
1h30m28s
